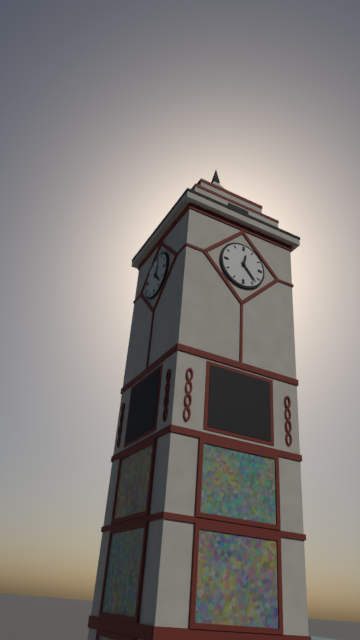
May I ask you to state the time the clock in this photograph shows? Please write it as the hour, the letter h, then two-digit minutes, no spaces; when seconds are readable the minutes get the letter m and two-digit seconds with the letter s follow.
12h23
